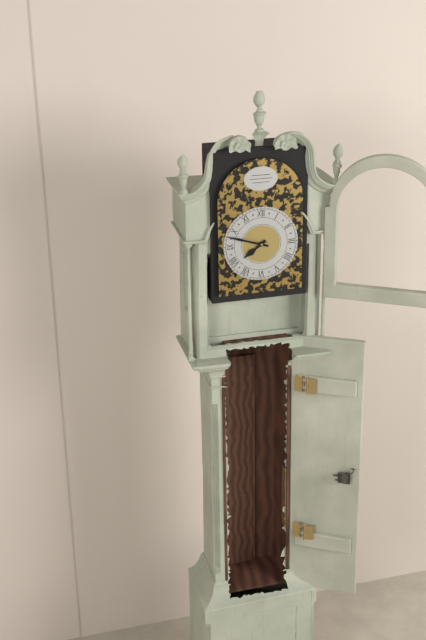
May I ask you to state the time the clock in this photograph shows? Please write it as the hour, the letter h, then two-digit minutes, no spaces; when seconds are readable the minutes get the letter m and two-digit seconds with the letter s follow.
7h48
